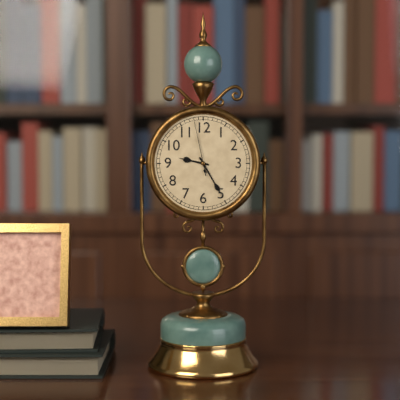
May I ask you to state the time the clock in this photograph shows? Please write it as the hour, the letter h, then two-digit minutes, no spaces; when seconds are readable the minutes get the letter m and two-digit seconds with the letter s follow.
9h25m58s
